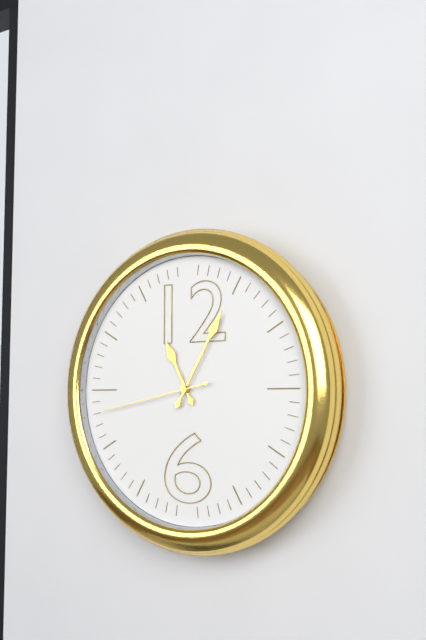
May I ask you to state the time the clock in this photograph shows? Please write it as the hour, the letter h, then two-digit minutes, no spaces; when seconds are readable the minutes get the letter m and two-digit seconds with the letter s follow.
11h05m43s
